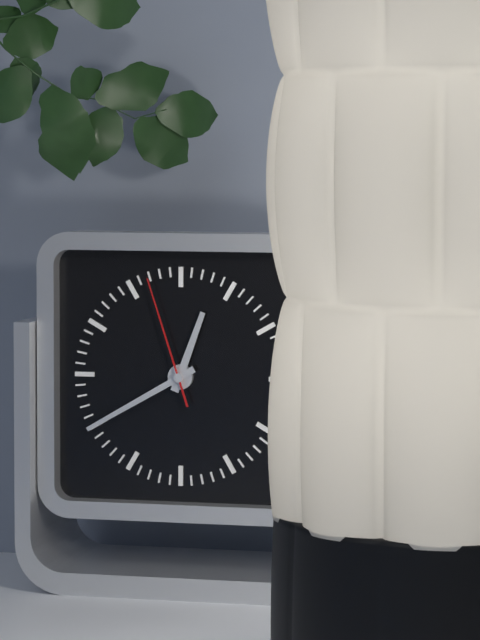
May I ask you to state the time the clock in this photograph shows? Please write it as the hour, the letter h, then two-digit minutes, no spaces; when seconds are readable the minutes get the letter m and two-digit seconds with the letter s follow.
12h40m57s
